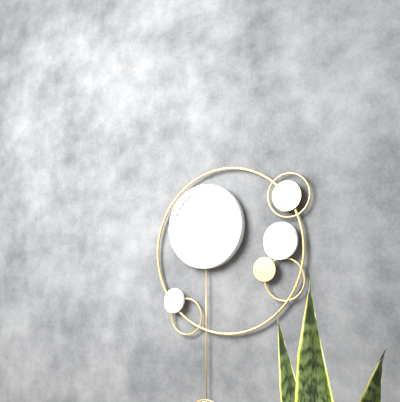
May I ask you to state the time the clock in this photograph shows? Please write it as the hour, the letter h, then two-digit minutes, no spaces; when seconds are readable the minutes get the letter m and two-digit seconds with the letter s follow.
11h40
